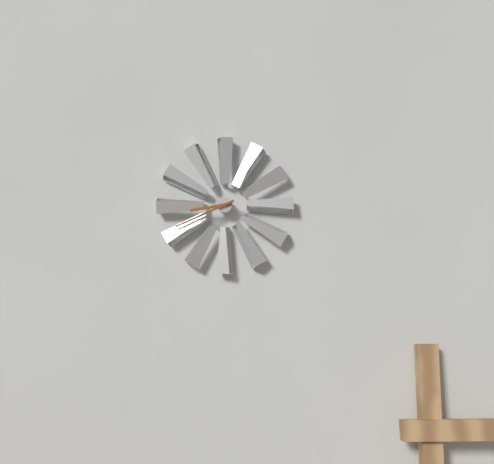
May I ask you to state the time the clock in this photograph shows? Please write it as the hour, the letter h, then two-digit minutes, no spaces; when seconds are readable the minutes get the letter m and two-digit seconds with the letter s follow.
8h41
